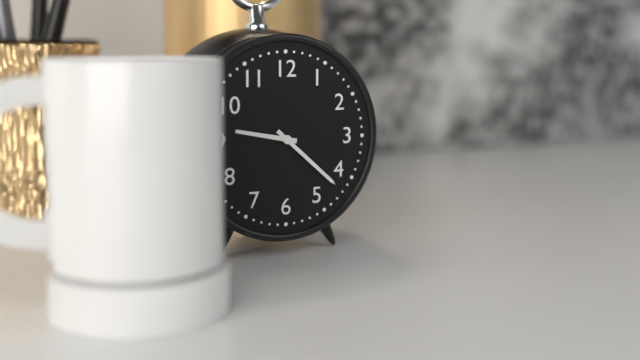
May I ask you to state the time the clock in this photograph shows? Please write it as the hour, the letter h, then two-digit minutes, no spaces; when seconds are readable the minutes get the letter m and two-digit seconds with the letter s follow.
9h22
